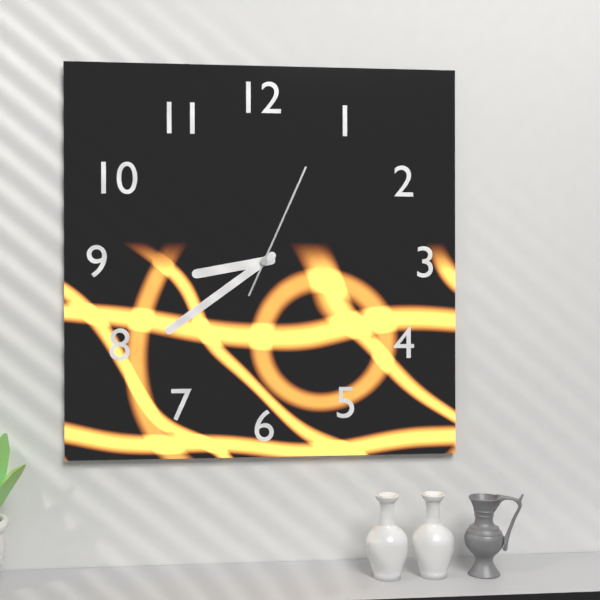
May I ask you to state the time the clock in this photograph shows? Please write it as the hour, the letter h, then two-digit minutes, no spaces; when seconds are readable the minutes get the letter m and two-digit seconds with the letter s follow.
8h39m04s
